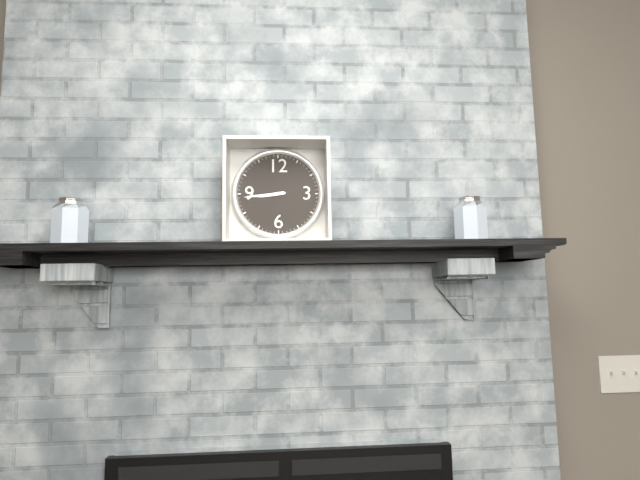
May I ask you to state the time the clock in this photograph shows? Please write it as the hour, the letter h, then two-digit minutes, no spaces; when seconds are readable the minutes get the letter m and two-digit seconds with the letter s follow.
8h44
